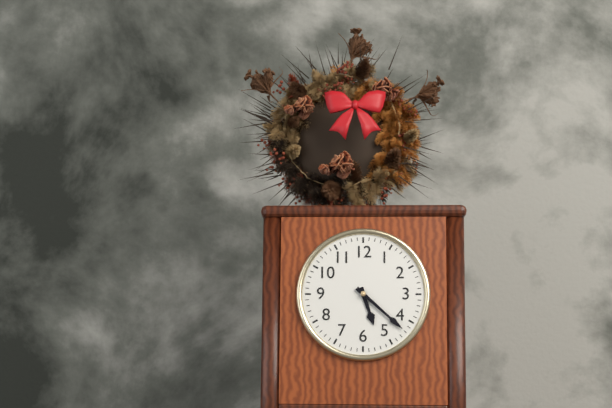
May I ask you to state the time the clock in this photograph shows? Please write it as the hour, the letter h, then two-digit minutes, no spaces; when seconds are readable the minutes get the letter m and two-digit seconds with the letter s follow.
5h22
